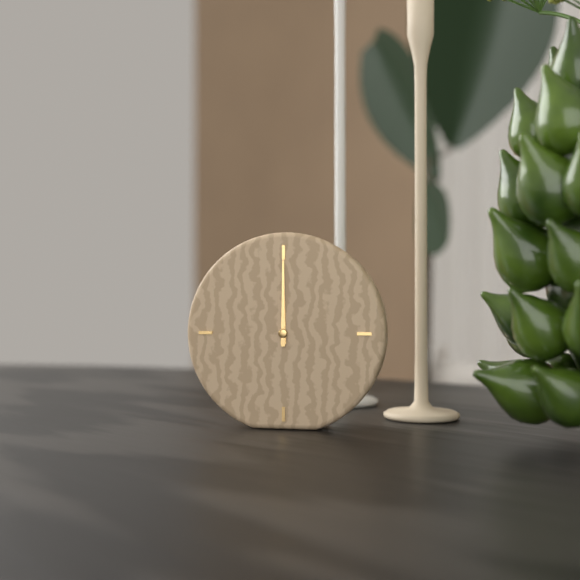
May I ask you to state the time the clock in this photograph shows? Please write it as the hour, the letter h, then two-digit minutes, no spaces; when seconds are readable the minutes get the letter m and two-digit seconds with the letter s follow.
12h00
